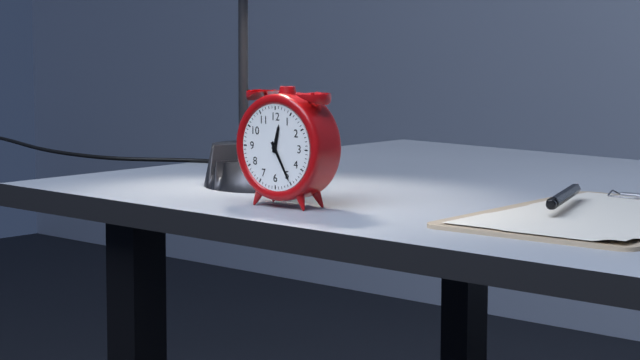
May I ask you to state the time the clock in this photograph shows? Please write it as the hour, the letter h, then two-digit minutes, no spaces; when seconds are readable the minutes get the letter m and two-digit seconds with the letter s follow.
12h25
